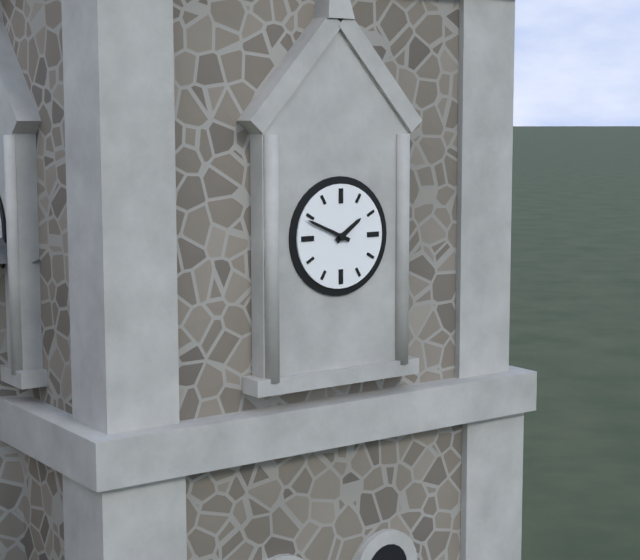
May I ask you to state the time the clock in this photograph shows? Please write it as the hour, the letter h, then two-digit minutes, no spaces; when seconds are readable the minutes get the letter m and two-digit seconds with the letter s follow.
1h49
